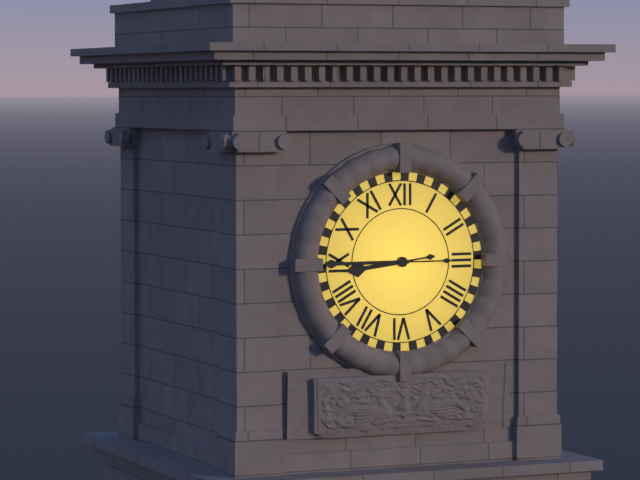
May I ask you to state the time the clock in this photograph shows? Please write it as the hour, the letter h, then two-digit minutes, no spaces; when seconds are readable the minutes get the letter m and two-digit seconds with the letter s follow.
8h45
